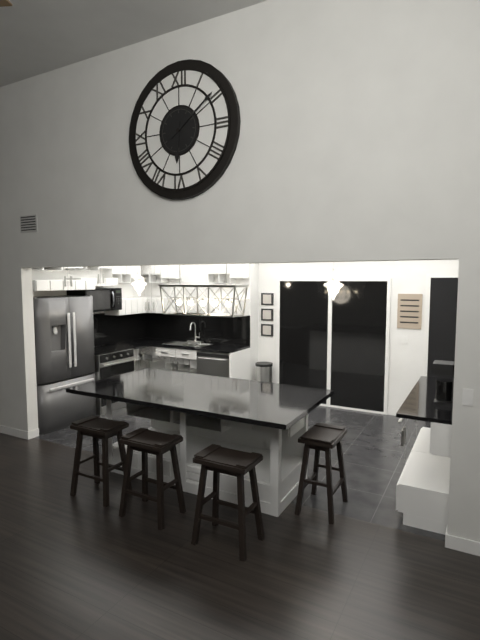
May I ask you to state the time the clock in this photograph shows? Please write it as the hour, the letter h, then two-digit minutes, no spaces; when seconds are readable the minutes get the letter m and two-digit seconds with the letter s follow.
6h09
